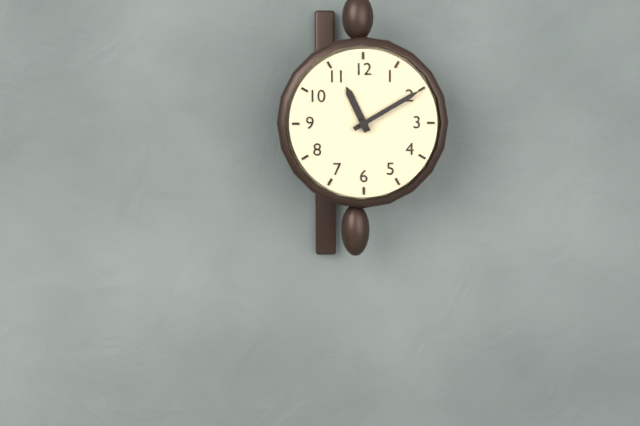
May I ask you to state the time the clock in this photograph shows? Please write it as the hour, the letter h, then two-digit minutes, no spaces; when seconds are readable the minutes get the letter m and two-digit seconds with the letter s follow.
11h10
